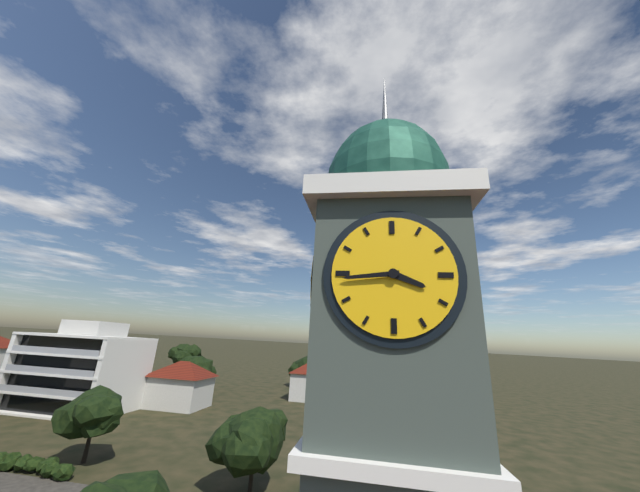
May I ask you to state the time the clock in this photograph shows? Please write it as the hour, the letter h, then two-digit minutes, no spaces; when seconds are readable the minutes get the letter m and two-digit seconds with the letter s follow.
3h44
